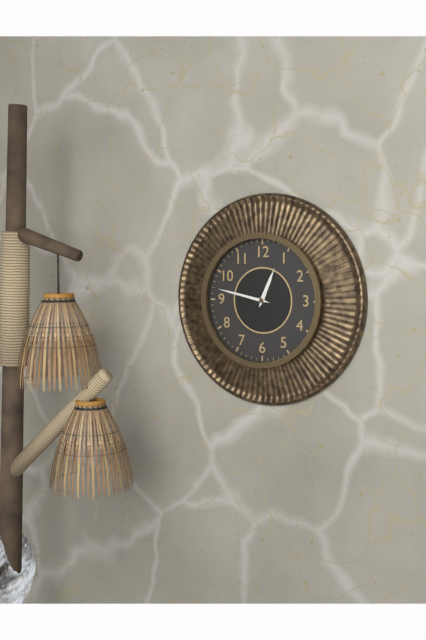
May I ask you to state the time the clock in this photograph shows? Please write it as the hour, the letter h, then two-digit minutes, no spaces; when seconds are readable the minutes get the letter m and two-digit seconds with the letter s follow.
12h47
